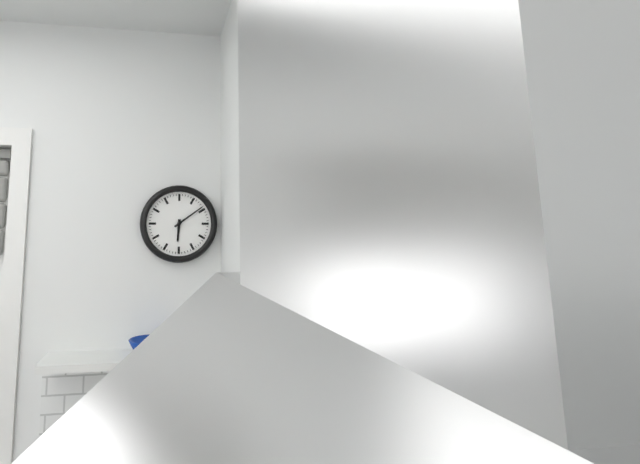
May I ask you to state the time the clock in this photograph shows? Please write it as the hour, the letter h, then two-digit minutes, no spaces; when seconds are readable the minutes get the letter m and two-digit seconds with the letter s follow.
6h09
